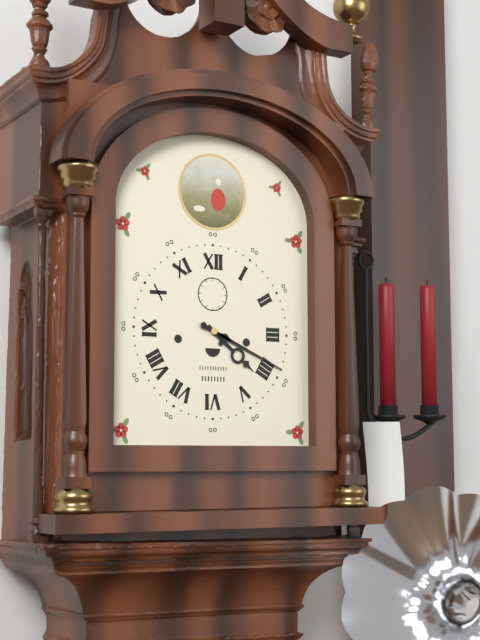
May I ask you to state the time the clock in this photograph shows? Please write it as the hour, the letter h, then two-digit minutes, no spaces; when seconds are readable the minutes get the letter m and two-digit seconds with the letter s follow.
4h19
